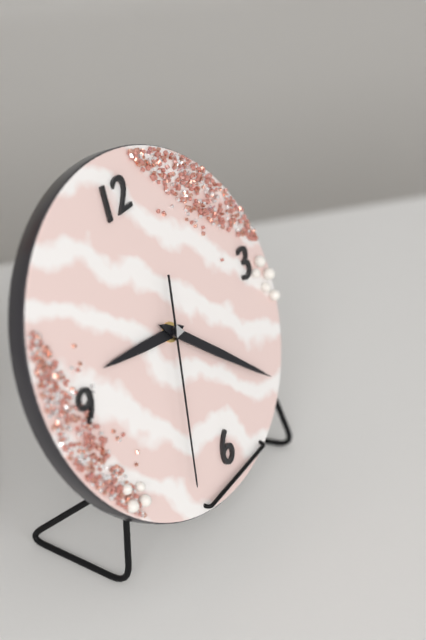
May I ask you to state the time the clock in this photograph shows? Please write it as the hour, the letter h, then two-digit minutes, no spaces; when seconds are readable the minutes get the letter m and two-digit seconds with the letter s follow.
9h23m34s
